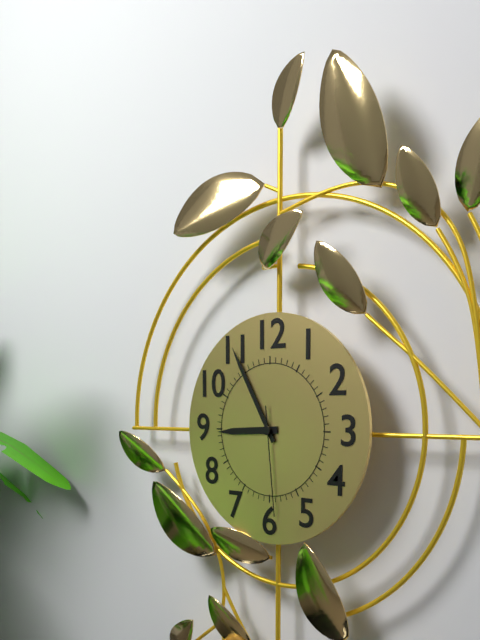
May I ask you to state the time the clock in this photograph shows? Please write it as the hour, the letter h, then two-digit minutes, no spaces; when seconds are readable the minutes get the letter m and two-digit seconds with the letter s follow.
8h55m29s
